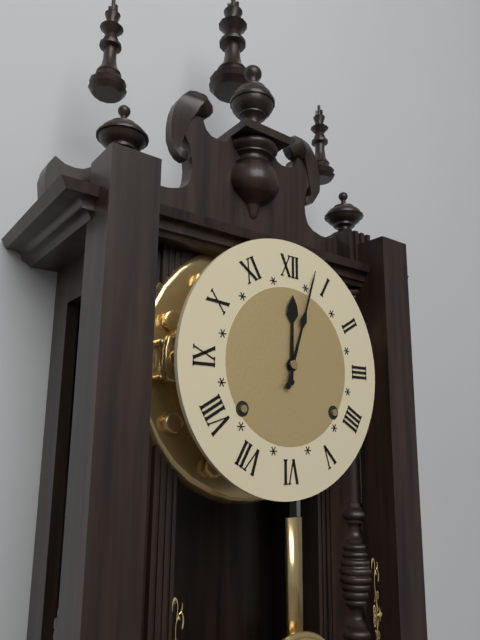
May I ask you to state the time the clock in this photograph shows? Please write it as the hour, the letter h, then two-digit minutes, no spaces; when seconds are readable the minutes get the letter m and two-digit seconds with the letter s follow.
12h03
